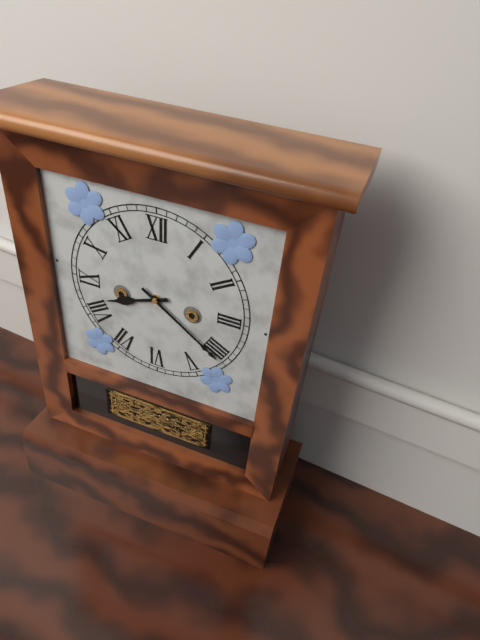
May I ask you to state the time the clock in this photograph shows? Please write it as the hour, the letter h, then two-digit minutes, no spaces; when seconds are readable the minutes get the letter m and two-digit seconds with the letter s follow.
8h21
